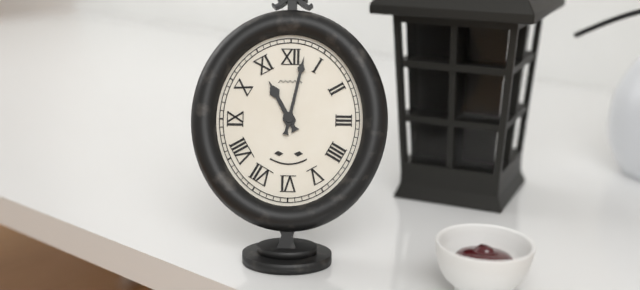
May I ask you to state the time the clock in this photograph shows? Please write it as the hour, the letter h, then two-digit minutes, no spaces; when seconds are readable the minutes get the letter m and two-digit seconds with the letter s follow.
11h02
